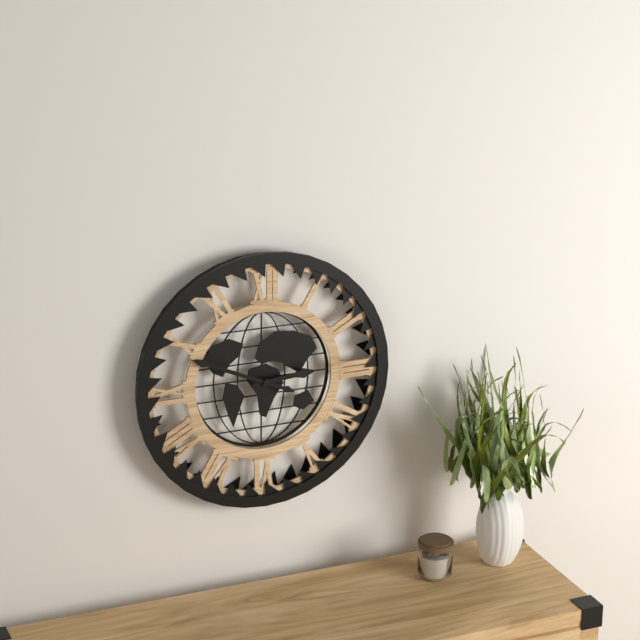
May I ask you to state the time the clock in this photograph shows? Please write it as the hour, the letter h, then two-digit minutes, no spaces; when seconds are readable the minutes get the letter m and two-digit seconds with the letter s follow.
2h49
